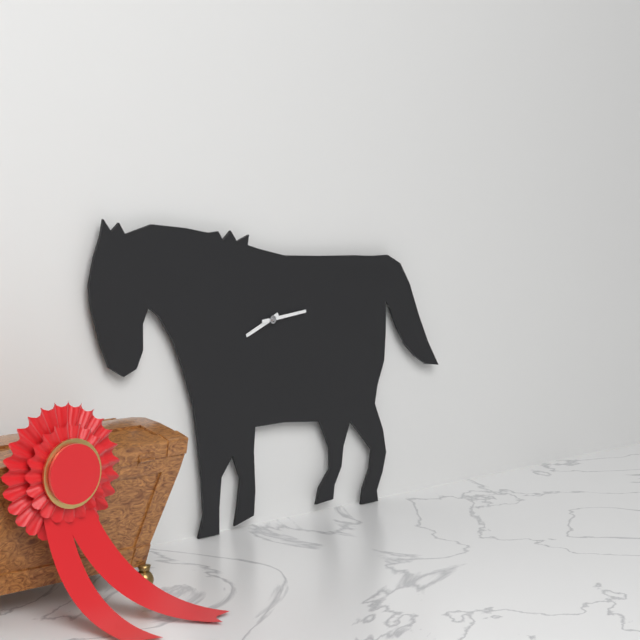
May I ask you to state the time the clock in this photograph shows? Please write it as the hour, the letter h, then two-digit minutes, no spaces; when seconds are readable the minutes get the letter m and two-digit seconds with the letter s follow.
8h14
